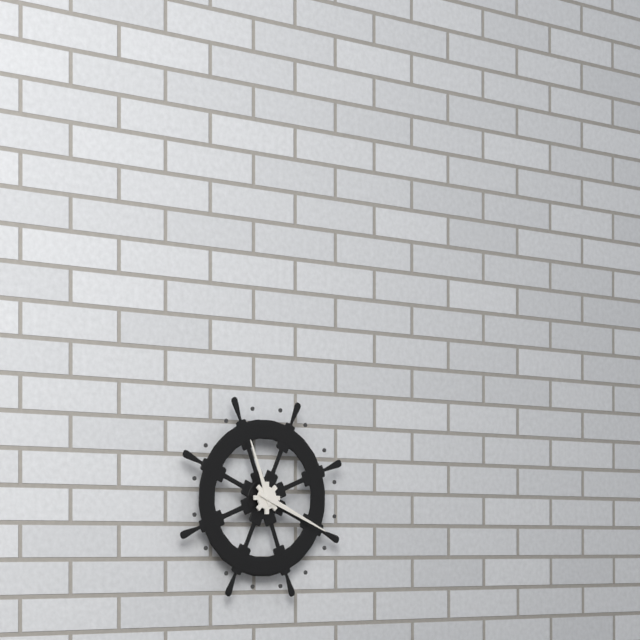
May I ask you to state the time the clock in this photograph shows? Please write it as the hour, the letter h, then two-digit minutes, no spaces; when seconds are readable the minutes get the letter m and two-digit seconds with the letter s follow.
11h19
